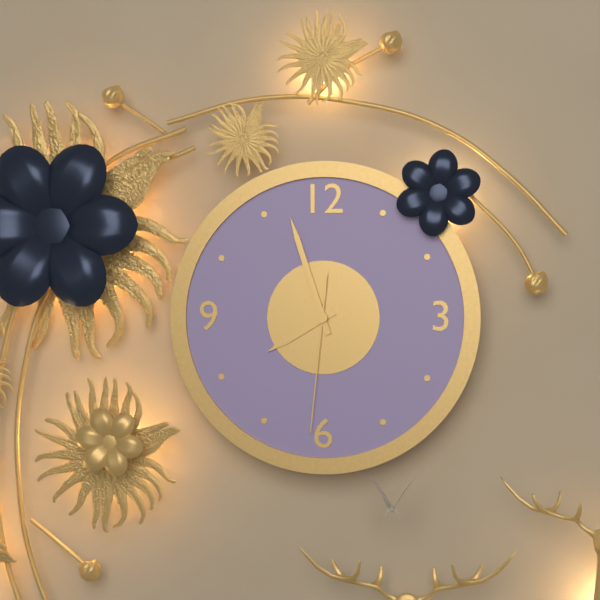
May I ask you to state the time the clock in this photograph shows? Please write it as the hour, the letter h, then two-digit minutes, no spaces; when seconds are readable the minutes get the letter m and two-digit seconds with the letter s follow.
7h57m31s
